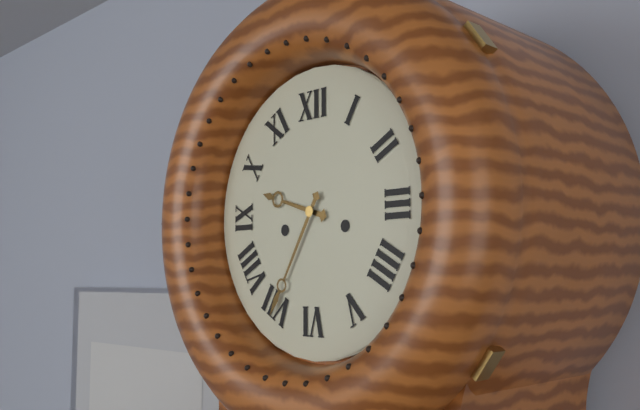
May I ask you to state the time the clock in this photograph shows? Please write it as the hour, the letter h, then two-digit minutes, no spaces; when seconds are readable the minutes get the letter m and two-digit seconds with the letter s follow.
9h35
